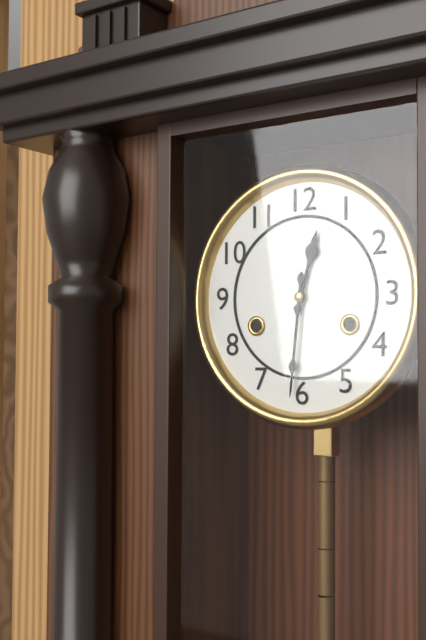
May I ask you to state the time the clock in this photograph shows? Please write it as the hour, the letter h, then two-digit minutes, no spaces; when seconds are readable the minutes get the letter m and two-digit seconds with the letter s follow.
12h31
